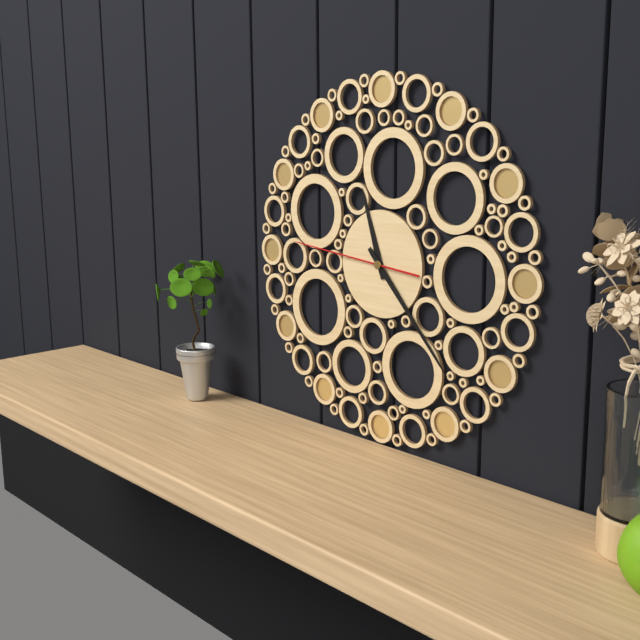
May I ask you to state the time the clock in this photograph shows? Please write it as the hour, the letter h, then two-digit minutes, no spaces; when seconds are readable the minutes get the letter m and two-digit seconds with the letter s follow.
11h23m46s
